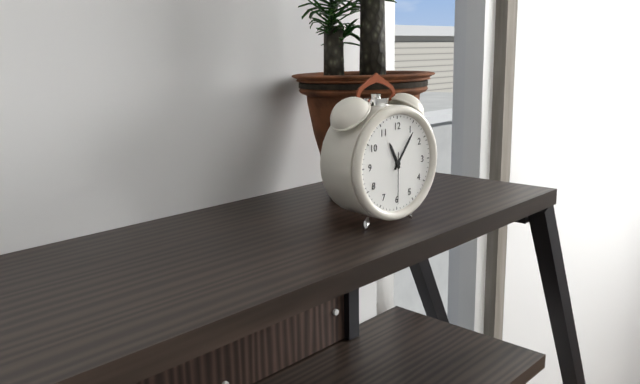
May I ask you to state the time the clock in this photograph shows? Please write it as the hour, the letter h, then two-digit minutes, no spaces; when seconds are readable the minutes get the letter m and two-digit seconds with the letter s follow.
11h06m30s
